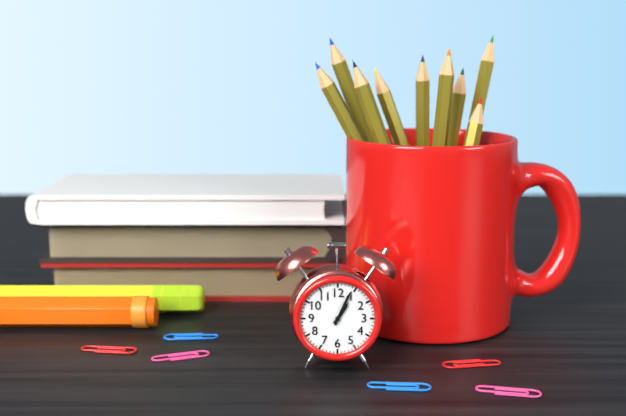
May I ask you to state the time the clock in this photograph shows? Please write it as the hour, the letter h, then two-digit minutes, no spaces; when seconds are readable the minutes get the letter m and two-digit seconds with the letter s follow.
1h04
